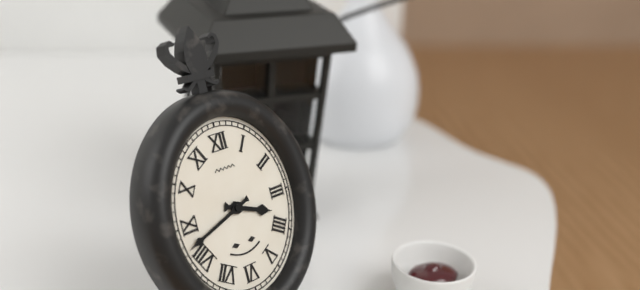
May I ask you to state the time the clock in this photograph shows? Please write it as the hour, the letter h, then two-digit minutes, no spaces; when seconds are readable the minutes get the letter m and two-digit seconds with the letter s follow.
3h42
